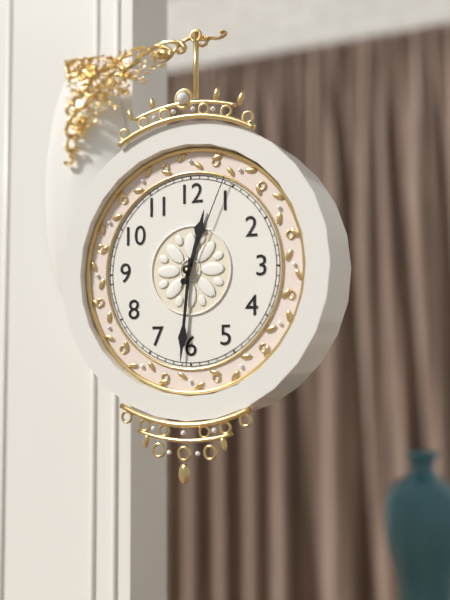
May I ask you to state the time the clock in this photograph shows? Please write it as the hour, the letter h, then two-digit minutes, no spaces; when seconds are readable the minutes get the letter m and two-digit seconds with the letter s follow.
12h31m04s
